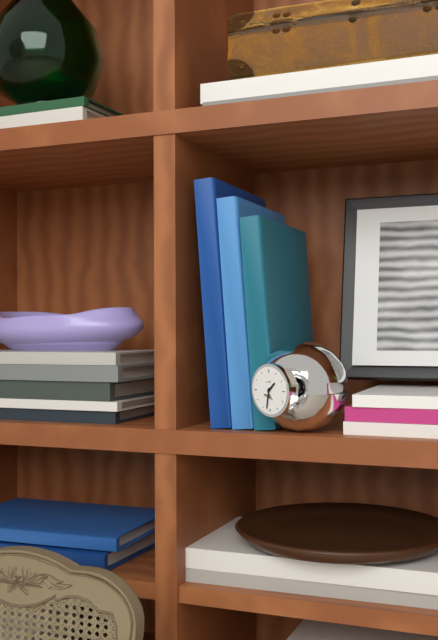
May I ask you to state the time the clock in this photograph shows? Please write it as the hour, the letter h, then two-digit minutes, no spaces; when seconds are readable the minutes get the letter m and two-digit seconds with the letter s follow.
1h32
